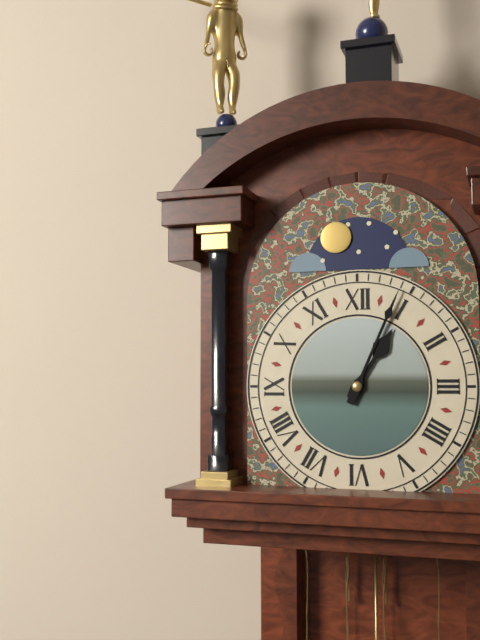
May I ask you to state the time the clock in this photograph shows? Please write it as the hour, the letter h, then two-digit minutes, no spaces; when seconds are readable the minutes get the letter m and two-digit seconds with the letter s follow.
1h04
